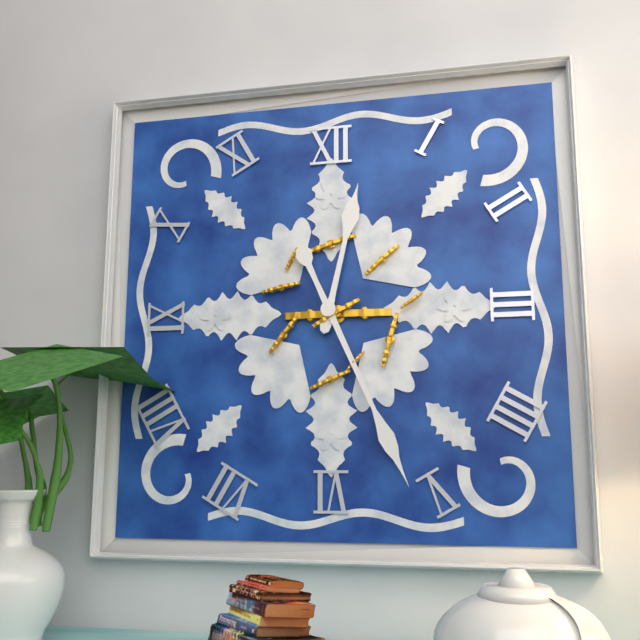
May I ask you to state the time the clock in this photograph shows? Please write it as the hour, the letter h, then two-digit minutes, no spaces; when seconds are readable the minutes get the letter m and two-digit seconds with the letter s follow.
12h26
